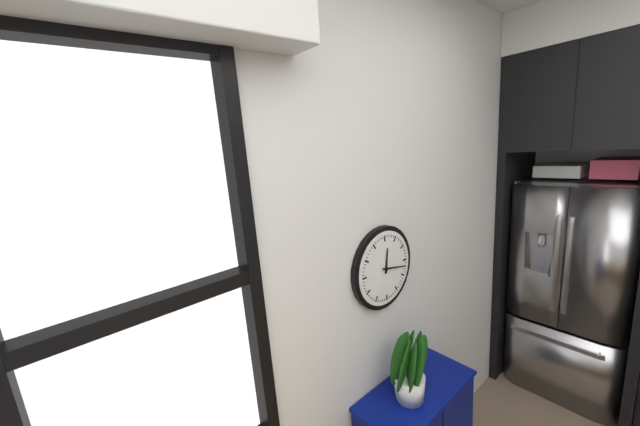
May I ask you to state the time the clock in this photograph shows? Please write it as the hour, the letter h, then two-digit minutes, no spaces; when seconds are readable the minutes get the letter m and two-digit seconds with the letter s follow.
12h17
